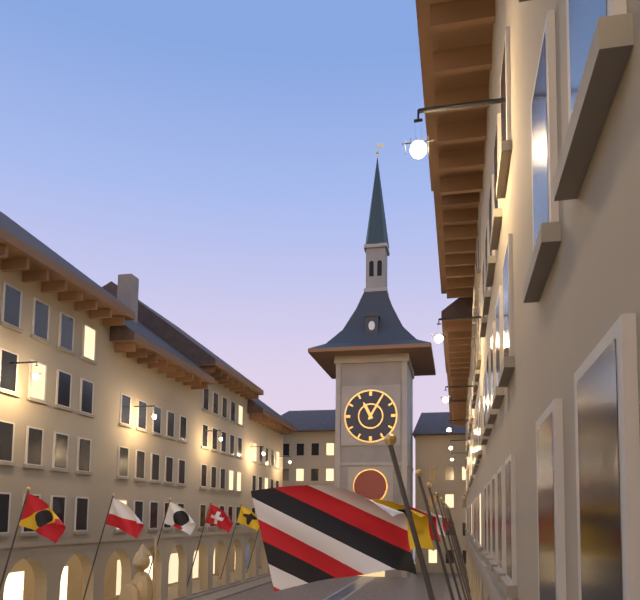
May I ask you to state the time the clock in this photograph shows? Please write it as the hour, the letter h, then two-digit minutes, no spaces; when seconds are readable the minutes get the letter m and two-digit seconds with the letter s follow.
11h05
